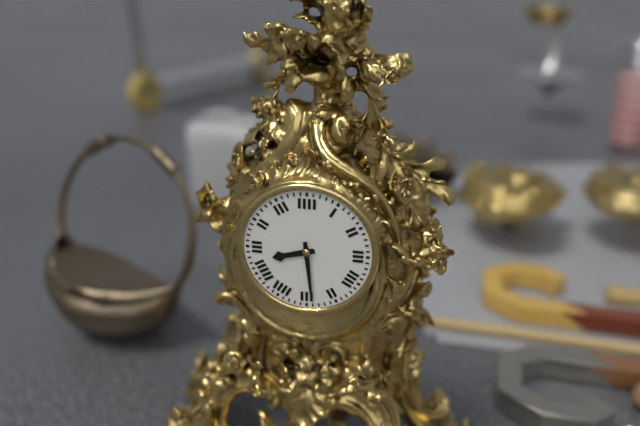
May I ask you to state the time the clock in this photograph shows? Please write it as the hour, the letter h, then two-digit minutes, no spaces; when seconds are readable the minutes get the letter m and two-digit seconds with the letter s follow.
8h29
